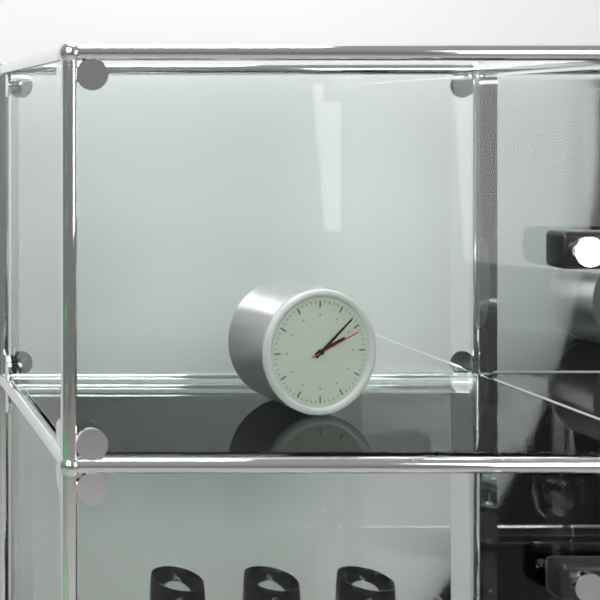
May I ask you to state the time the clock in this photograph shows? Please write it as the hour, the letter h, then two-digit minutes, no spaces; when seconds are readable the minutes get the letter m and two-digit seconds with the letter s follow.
2h08m11s
